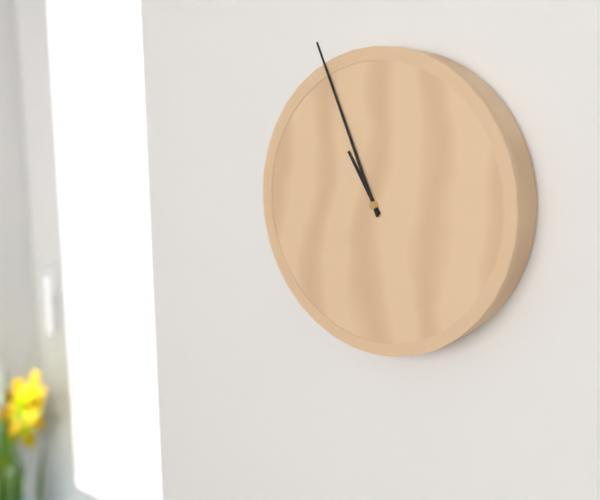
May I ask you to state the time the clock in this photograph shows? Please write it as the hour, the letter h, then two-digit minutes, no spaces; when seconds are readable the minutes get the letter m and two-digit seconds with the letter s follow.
10h56
